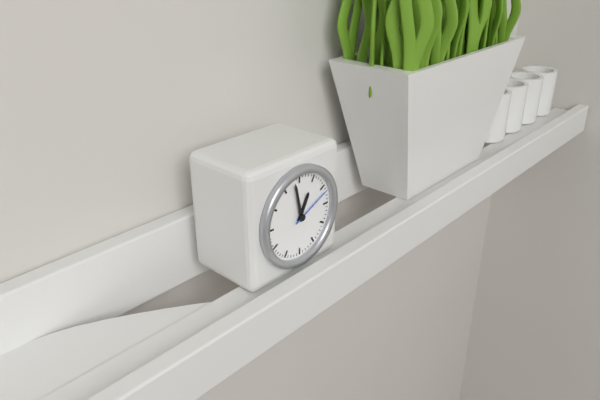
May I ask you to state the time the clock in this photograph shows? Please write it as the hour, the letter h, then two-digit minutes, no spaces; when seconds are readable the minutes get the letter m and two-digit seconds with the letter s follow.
12h58
